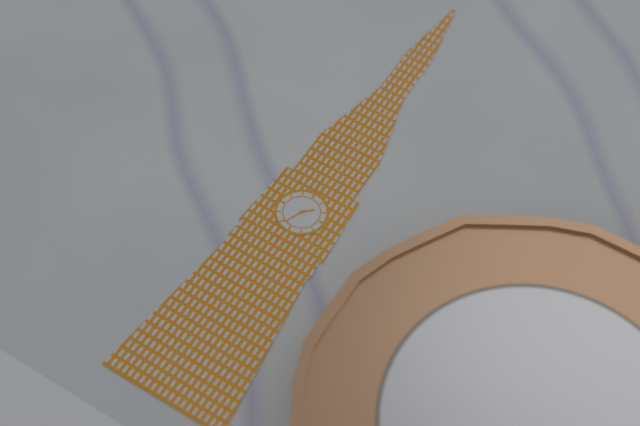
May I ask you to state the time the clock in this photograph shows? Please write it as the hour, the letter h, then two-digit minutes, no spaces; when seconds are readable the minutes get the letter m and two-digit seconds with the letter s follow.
1h34
